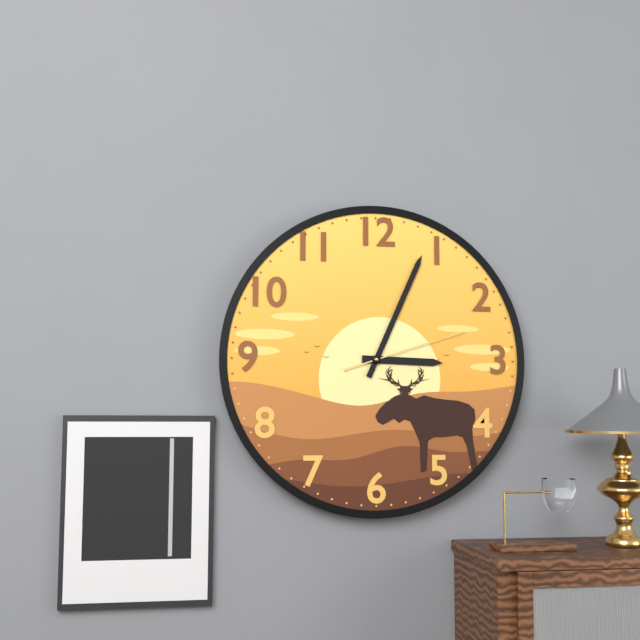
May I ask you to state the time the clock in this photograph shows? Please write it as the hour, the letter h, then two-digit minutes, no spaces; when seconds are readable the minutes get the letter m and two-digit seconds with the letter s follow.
3h04m12s
